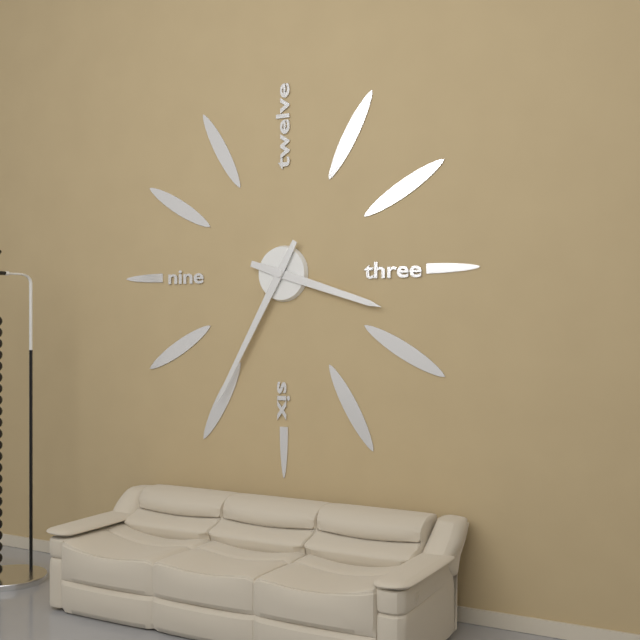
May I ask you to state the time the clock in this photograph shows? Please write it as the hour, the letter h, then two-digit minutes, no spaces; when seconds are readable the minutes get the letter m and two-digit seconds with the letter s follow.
3h35
